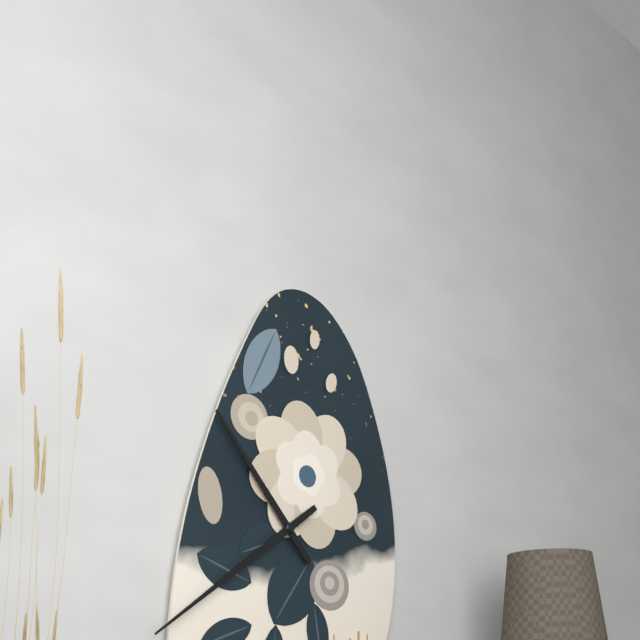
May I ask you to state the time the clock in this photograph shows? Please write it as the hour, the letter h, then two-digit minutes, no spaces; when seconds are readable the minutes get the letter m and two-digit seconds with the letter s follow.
10h39
